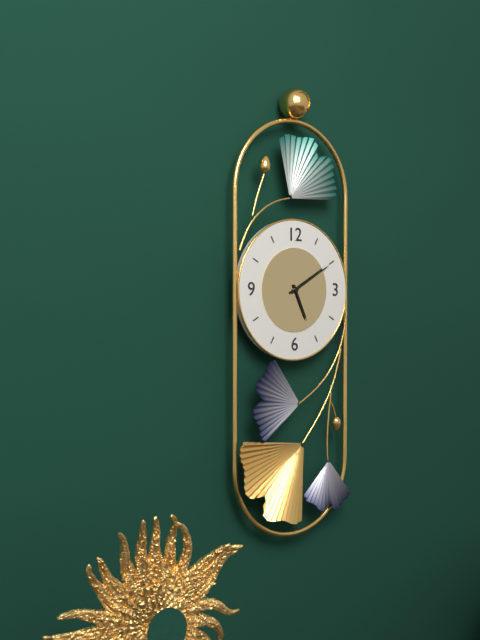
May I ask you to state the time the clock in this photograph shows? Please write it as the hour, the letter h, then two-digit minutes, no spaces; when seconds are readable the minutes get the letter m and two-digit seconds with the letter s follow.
5h10
